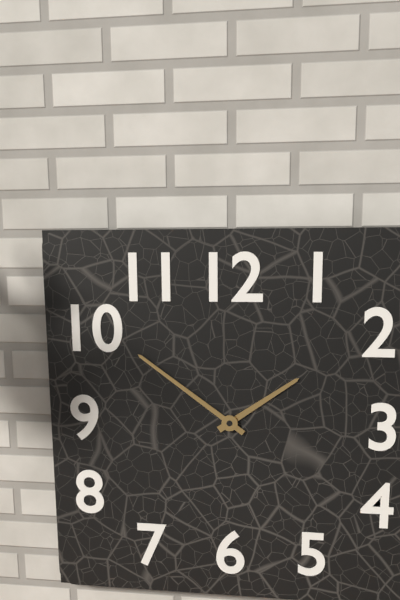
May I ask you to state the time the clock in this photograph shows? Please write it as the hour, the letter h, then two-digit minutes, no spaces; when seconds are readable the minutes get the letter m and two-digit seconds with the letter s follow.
1h51
